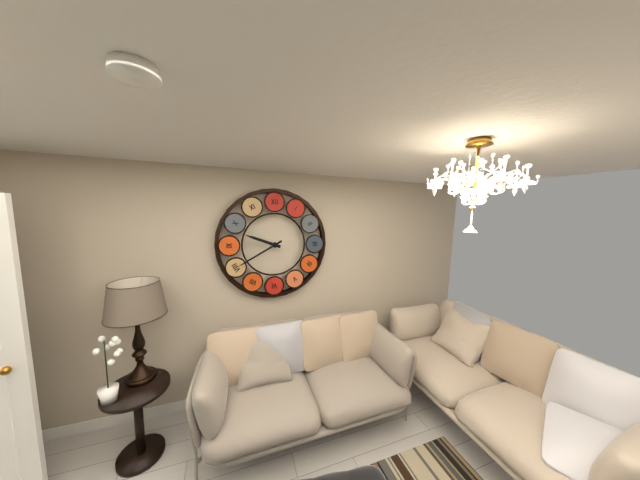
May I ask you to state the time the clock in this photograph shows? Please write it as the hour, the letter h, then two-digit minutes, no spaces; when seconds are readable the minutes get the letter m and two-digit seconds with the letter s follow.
9h40
